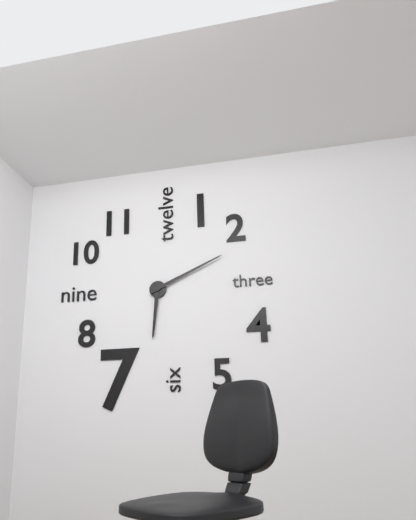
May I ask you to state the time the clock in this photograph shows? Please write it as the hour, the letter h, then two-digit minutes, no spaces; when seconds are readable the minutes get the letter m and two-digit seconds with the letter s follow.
6h11
